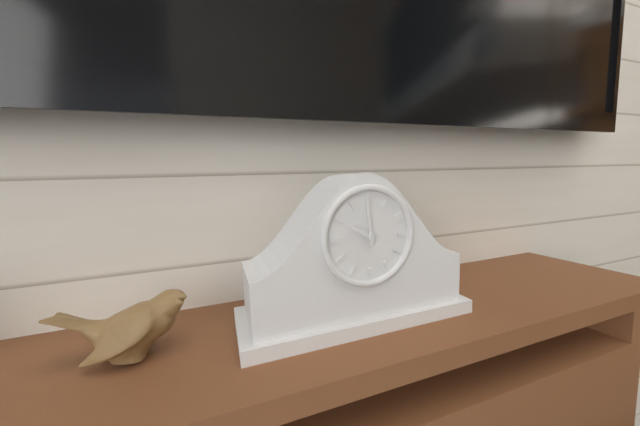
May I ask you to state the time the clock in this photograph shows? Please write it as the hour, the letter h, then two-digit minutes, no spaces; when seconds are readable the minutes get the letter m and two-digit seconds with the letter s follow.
9h59
